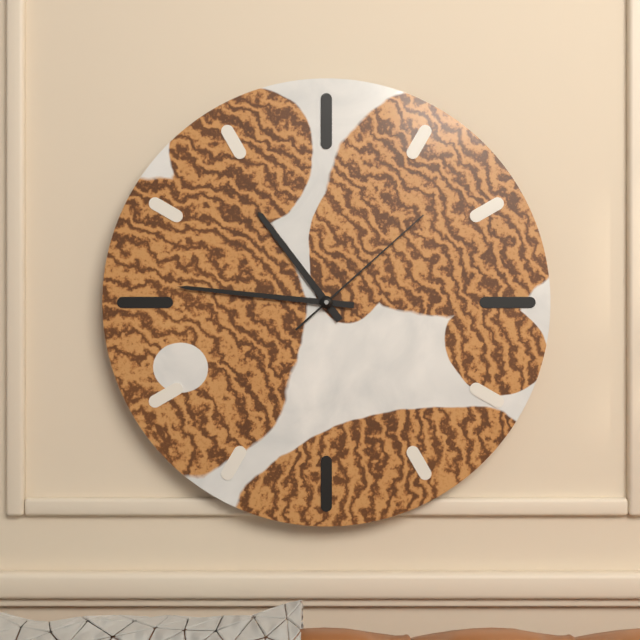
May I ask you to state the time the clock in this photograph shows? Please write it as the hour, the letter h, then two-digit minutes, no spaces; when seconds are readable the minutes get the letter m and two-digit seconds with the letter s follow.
10h46m08s
